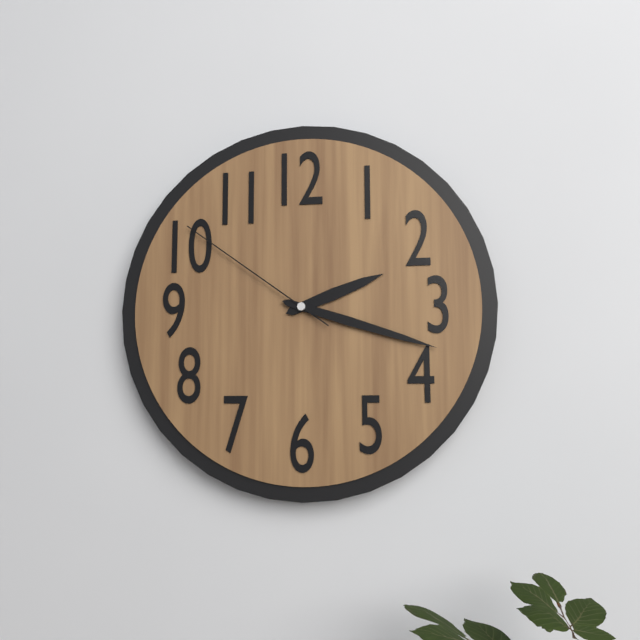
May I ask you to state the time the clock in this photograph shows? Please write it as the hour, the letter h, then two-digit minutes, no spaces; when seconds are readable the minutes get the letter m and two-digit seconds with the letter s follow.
2h18m51s
